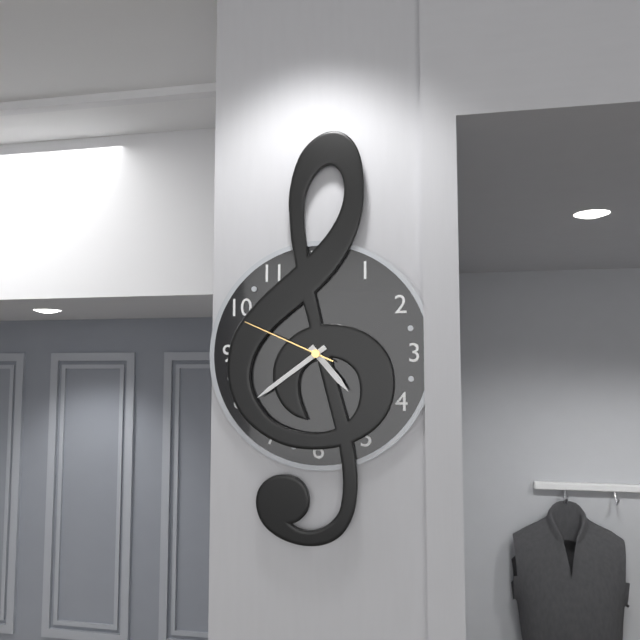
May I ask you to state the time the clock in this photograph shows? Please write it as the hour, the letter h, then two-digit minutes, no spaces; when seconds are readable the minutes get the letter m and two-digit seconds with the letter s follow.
4h39m49s
